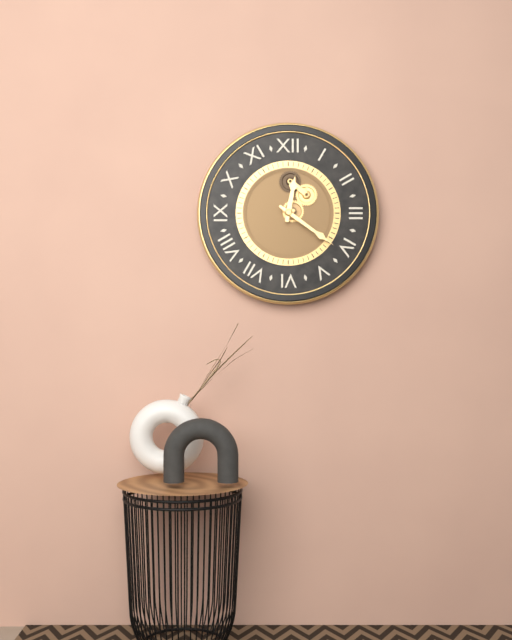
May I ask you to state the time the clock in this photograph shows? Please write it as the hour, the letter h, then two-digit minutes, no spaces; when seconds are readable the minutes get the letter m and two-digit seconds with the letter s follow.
12h21
